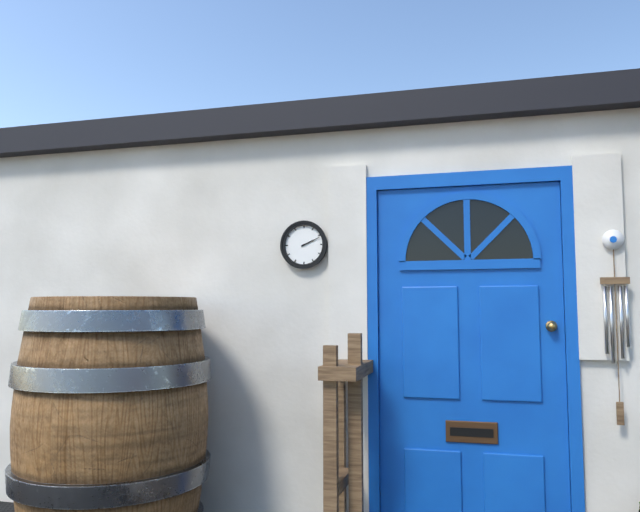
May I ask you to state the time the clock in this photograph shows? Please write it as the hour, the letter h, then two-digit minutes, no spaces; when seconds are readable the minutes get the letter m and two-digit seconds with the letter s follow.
2h11
